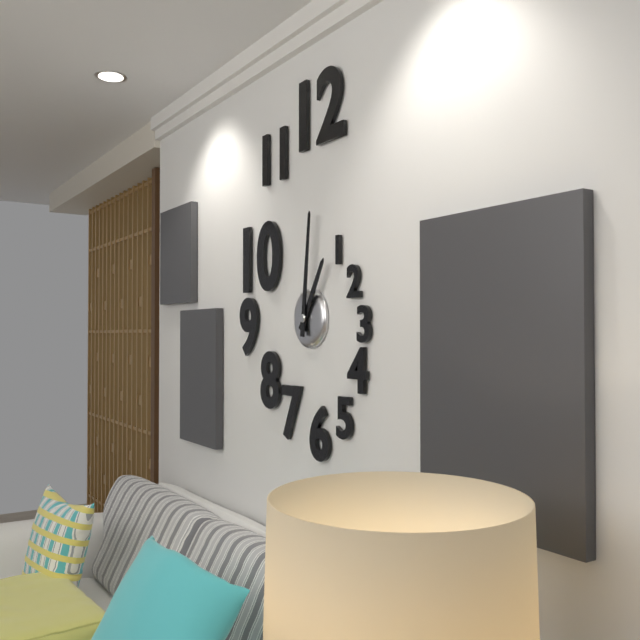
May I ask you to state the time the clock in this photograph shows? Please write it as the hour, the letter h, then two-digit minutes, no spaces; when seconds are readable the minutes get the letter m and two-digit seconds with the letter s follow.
1h01
